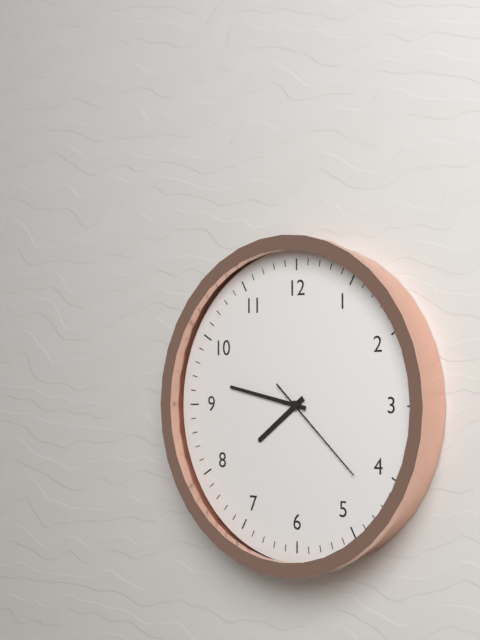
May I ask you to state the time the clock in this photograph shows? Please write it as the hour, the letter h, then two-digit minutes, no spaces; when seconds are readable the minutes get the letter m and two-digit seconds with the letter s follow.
7h47m22s
